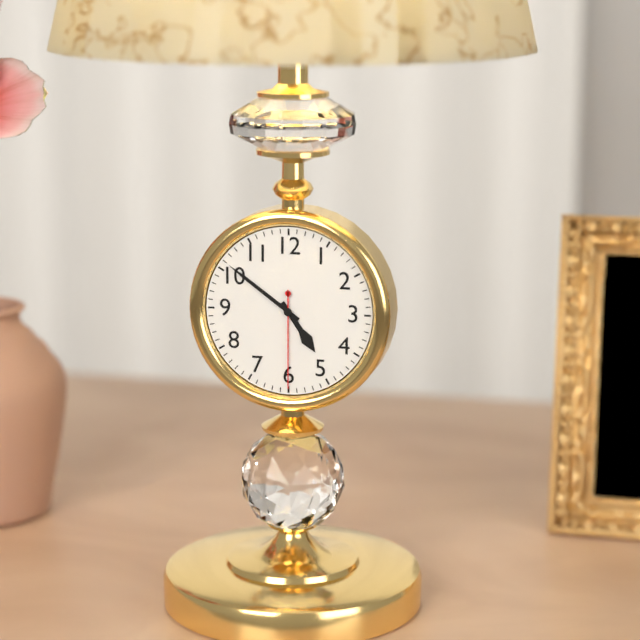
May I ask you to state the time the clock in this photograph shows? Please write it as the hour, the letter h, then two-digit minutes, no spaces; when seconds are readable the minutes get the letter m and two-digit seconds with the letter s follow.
4h51m30s
